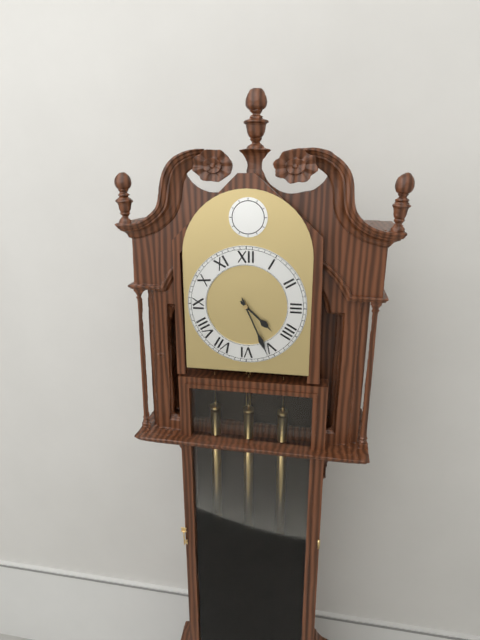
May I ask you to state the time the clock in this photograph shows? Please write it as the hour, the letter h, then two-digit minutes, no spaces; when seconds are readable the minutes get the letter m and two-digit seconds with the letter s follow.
4h26
